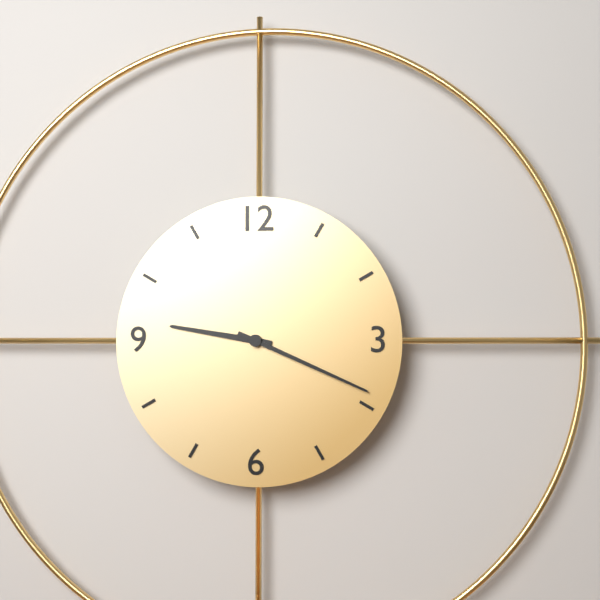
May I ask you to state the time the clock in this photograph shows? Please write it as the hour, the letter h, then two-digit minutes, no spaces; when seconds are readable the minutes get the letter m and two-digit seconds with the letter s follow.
9h19
